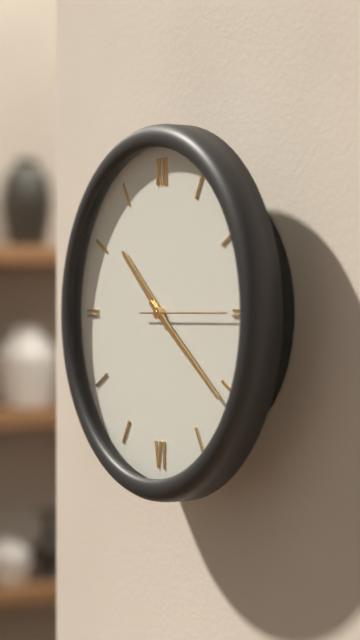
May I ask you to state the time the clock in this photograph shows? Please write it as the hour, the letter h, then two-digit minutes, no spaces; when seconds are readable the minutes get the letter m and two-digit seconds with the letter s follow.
10h21
